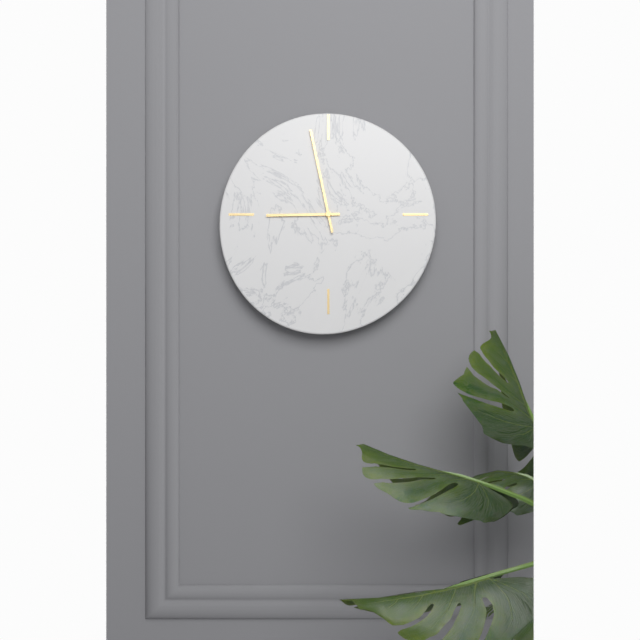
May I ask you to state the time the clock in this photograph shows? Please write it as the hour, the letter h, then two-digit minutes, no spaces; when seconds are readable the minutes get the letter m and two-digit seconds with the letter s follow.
8h58
